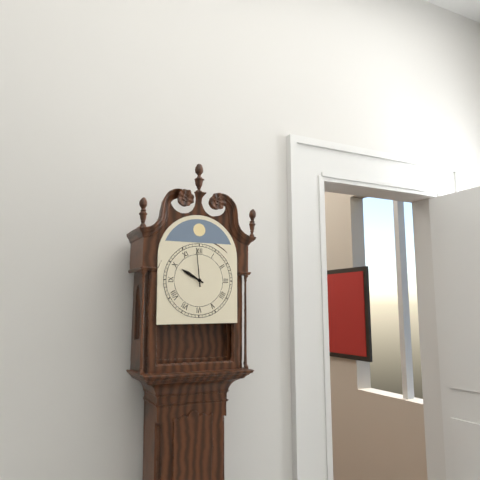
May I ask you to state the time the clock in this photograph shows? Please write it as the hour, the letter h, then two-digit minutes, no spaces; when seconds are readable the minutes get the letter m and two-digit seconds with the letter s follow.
9h59
